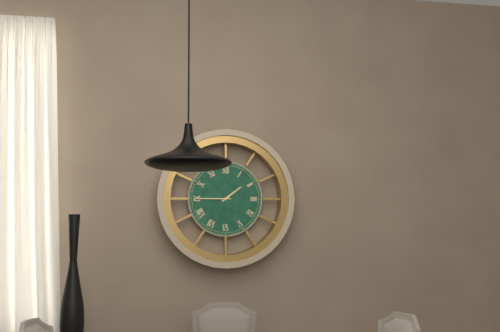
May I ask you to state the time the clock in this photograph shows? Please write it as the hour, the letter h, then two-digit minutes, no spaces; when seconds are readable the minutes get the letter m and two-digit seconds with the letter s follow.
1h45
